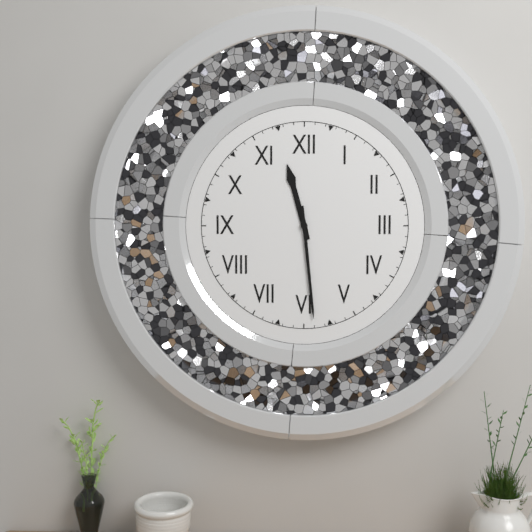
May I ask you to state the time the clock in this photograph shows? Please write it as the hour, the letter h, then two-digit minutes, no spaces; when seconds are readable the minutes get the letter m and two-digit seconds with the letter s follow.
11h29
